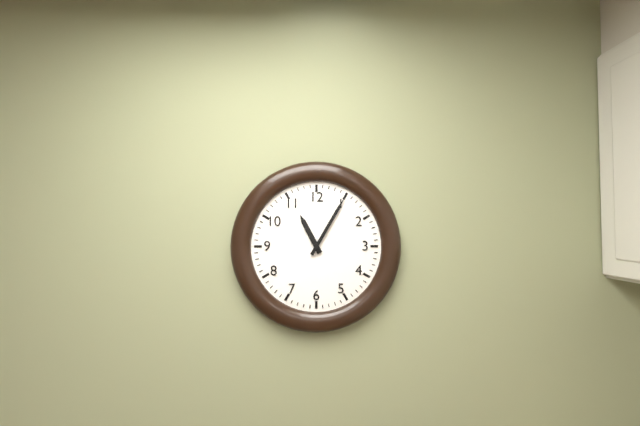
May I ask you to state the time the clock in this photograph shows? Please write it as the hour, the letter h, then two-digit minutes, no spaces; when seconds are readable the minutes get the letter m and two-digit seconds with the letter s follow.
11h05
